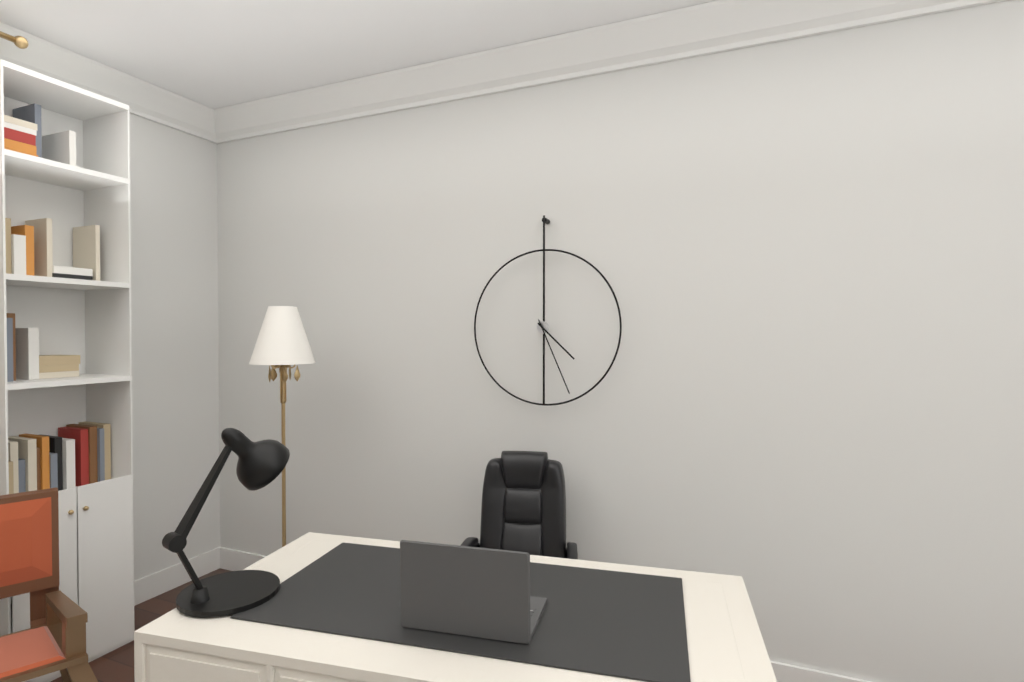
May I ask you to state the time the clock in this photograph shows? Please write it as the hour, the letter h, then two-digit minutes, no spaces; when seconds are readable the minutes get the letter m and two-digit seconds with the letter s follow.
4h26
